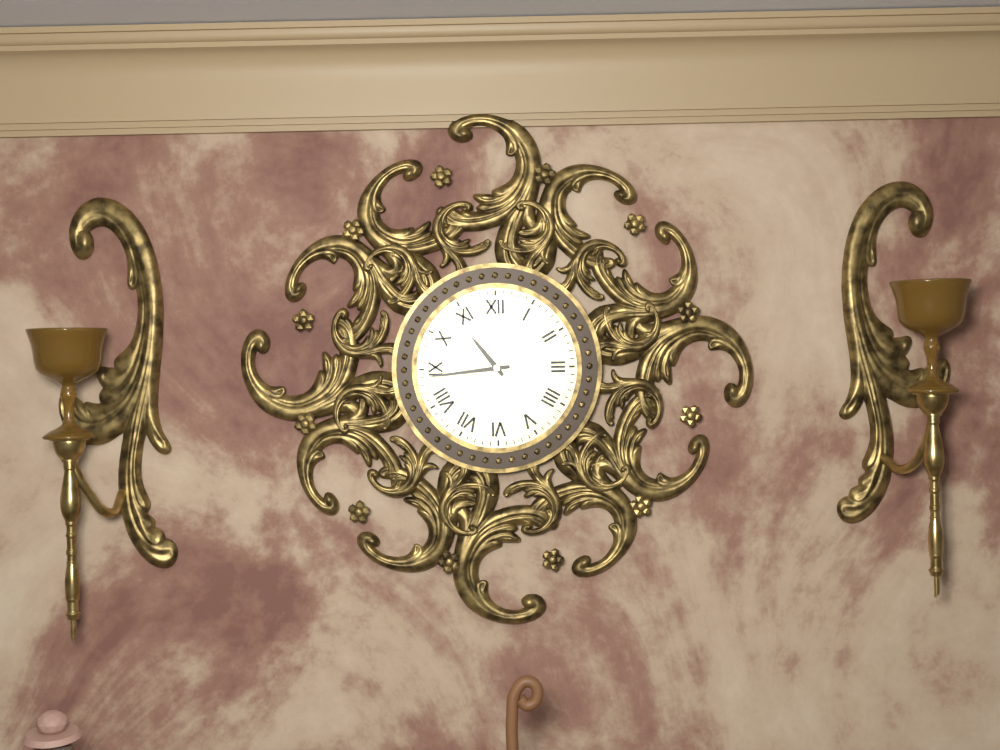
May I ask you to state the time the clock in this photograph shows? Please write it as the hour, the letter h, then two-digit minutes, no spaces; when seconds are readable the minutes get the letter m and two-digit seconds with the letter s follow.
10h44
